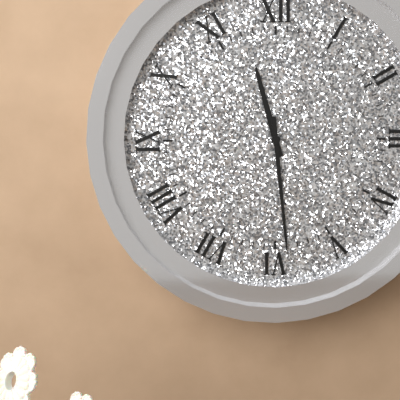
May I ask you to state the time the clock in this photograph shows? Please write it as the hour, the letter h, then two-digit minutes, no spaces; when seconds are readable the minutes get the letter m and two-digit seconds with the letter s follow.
11h29
